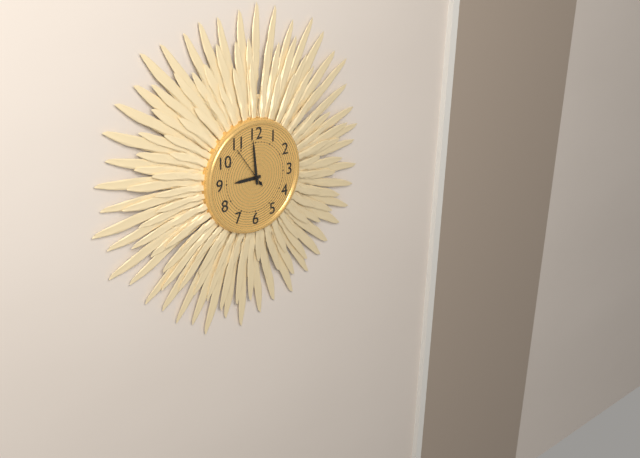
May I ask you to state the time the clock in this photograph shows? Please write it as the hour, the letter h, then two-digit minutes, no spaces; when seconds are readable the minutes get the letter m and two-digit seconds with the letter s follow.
8h59
